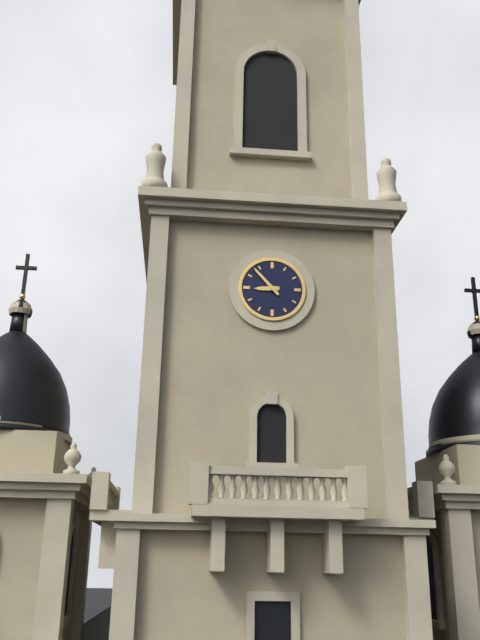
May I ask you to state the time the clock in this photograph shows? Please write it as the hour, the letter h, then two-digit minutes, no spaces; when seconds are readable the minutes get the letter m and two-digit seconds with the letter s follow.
8h53
